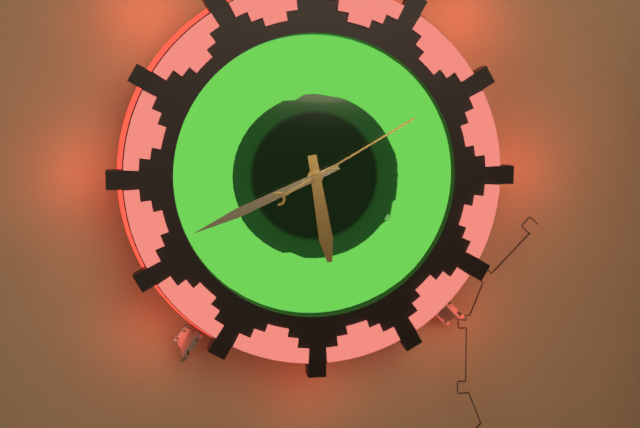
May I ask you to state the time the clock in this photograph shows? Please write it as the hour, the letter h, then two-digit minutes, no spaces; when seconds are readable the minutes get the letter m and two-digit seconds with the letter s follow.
5h41m10s
